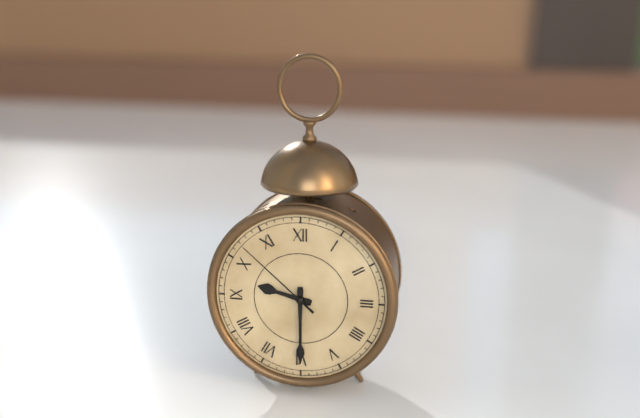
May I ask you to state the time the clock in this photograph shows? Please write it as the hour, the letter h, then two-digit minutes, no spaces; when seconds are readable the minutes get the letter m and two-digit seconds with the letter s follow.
9h30m52s
